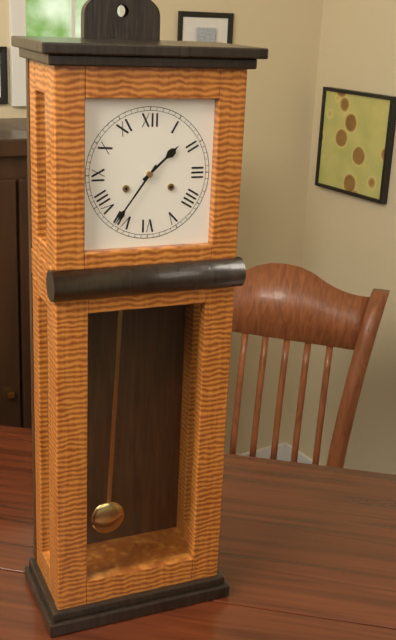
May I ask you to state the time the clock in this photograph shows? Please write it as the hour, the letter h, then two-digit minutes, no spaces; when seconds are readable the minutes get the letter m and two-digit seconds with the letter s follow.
1h36
